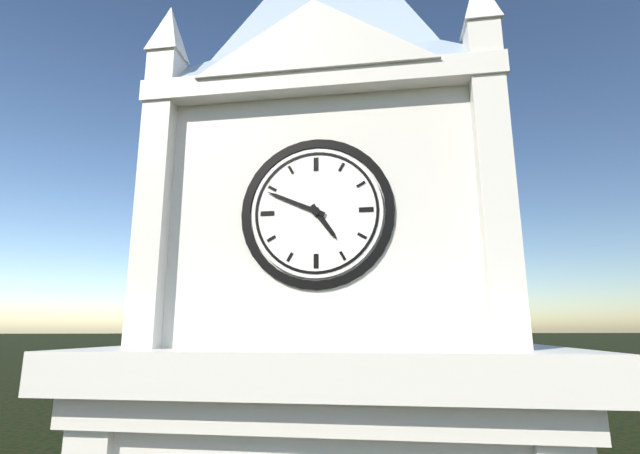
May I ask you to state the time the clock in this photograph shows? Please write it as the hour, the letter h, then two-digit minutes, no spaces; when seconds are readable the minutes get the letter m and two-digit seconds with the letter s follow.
4h49
